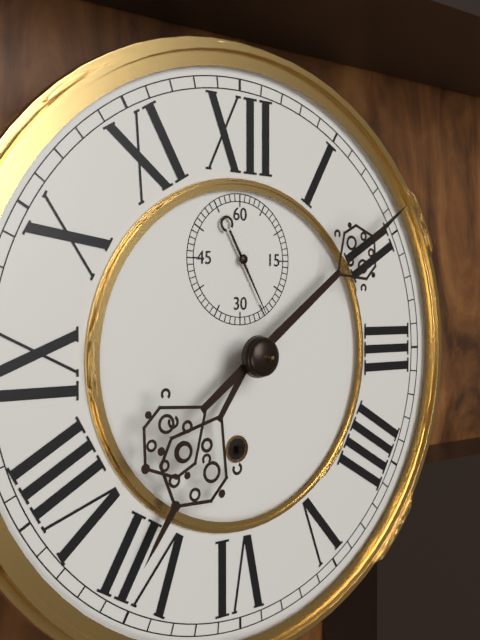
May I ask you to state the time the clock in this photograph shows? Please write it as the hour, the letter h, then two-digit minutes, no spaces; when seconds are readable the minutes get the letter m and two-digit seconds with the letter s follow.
7h09m25s
